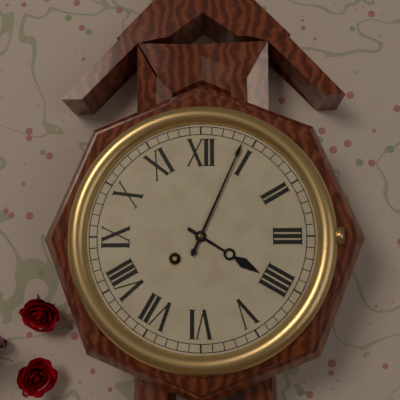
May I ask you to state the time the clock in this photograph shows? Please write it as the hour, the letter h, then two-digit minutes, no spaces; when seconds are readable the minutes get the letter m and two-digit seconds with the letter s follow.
4h04
